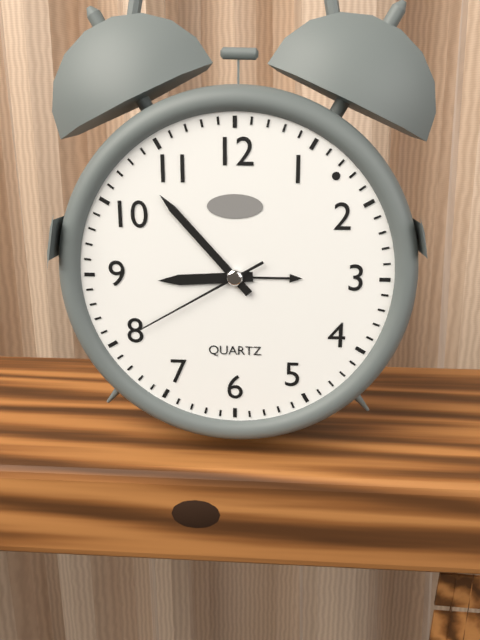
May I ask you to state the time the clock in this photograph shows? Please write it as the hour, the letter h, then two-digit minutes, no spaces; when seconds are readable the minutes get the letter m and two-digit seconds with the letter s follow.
8h53m40s
